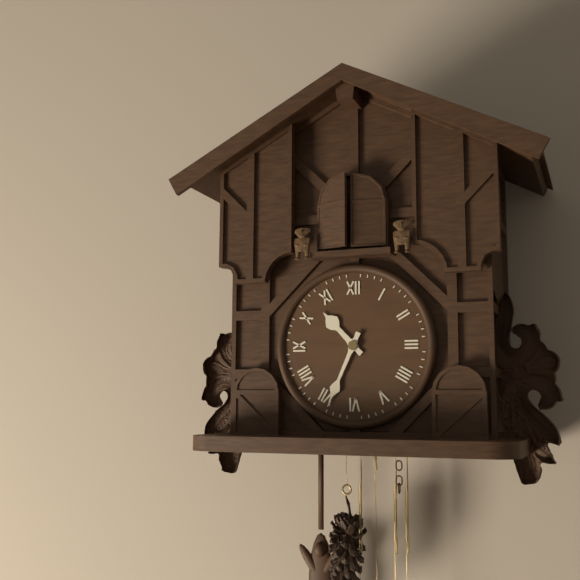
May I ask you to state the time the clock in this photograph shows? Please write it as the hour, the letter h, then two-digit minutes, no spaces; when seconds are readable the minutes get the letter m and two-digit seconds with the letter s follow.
10h34
